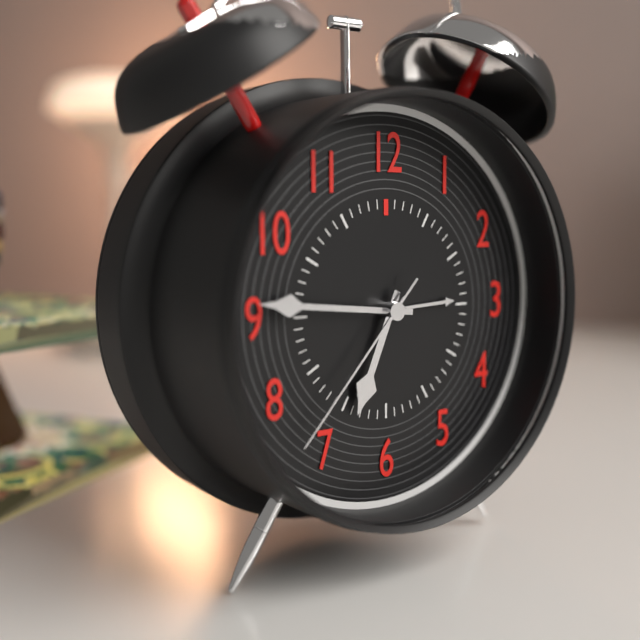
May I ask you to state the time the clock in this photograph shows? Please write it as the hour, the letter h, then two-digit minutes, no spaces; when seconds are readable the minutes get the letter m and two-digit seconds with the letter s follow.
6h46m37s
